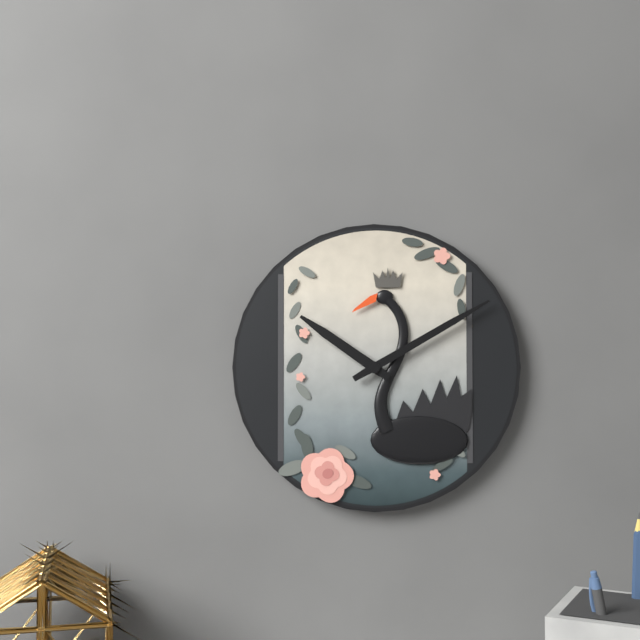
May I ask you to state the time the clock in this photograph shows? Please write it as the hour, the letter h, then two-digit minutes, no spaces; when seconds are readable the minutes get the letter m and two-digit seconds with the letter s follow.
10h10
